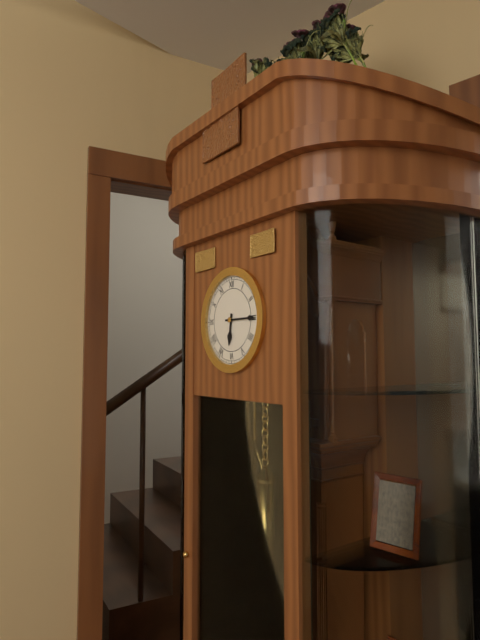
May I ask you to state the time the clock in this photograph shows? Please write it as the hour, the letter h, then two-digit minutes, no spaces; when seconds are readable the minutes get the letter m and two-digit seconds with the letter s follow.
6h15
